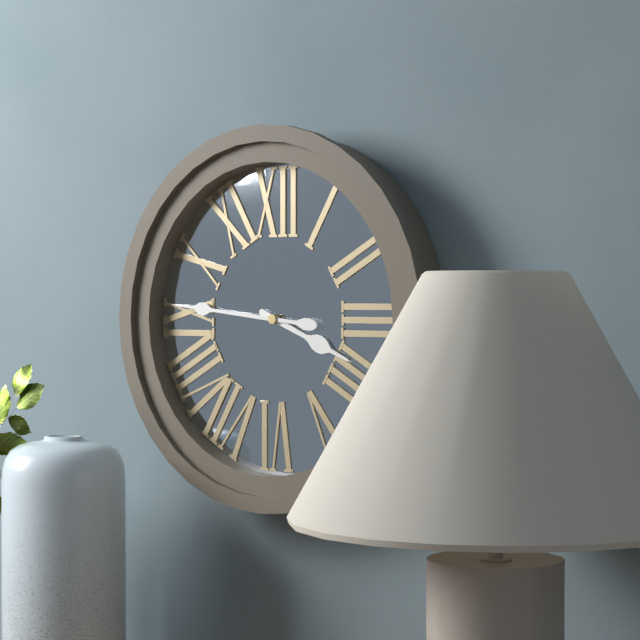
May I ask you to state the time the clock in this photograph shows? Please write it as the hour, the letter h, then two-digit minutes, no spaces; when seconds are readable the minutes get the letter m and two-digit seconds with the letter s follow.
3h46
